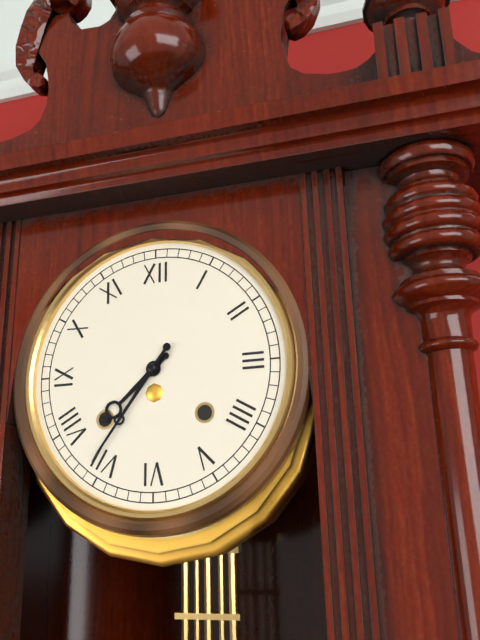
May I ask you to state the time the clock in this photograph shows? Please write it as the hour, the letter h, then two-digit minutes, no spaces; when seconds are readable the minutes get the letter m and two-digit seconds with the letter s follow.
7h36
